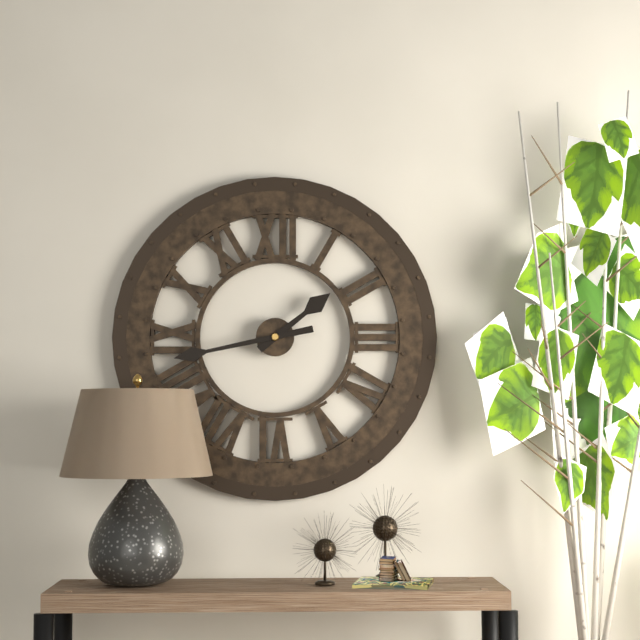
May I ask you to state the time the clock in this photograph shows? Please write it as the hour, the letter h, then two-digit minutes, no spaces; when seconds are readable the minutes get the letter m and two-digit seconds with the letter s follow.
1h43
